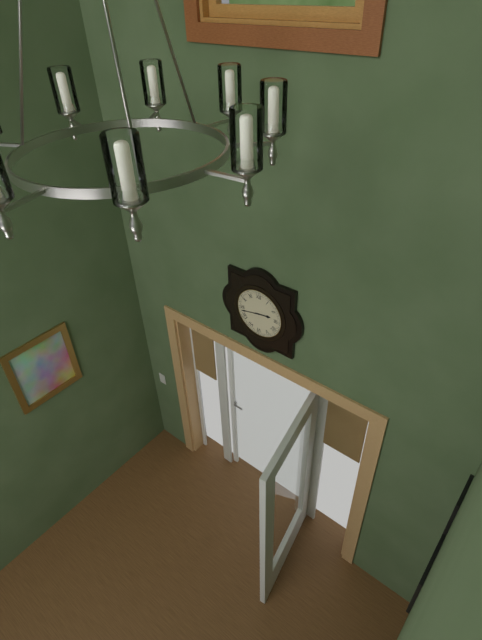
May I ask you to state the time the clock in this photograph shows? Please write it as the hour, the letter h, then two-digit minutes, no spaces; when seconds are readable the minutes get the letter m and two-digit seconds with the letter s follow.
2h43
